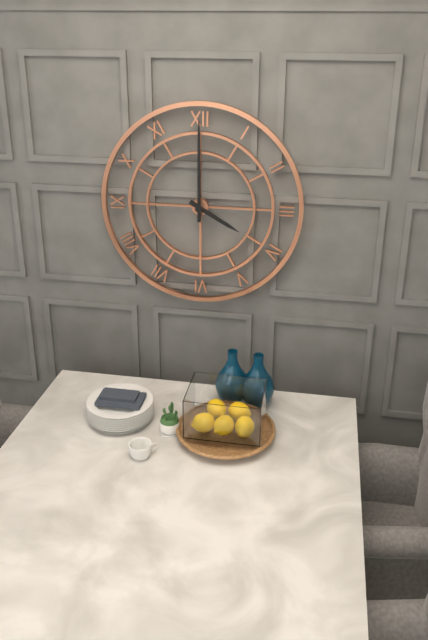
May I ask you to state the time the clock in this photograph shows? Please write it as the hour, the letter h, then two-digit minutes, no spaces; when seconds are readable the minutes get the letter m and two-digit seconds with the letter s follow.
4h00
